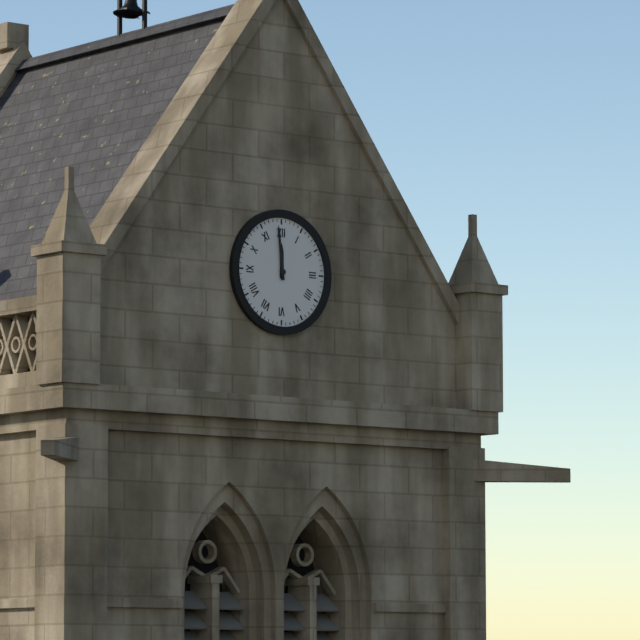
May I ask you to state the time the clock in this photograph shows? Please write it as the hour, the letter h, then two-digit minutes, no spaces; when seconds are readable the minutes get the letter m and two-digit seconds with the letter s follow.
11h59
